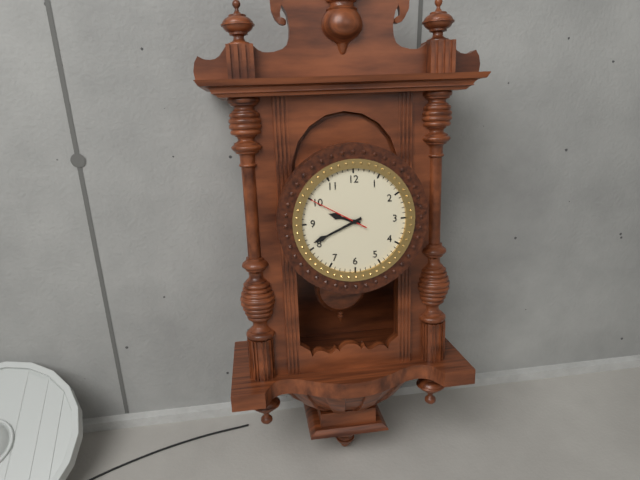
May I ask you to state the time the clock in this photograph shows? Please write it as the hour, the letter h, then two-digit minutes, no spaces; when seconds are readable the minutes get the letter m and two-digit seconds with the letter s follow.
9h41m50s
